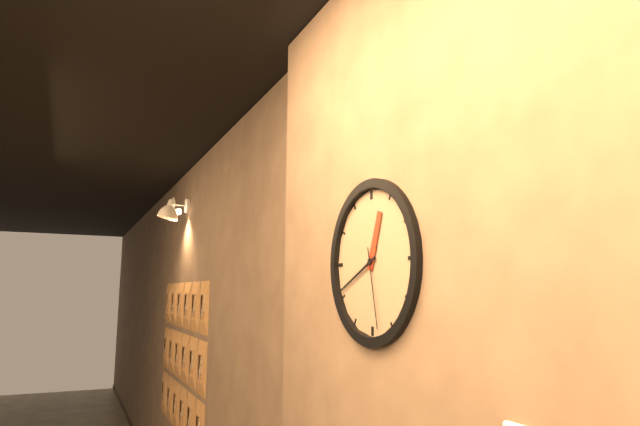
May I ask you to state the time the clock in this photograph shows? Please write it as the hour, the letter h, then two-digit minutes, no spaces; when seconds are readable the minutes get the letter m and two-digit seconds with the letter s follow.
12h41m28s
